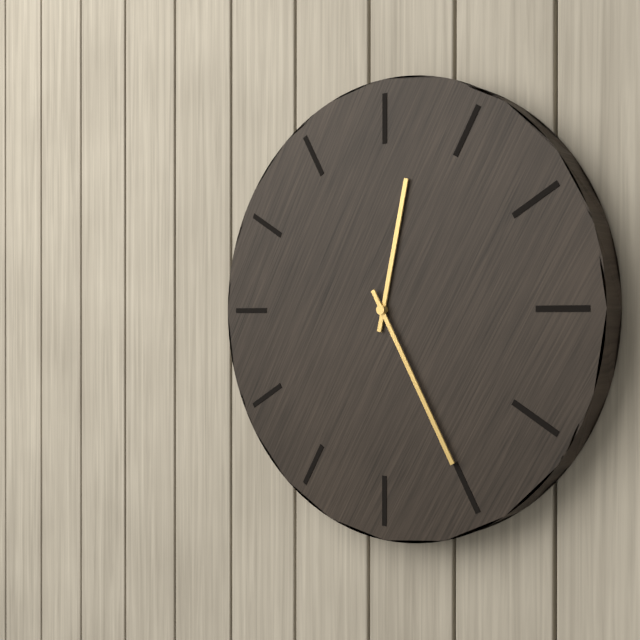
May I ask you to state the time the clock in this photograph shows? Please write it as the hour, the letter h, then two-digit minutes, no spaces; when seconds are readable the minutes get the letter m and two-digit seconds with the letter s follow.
12h25
